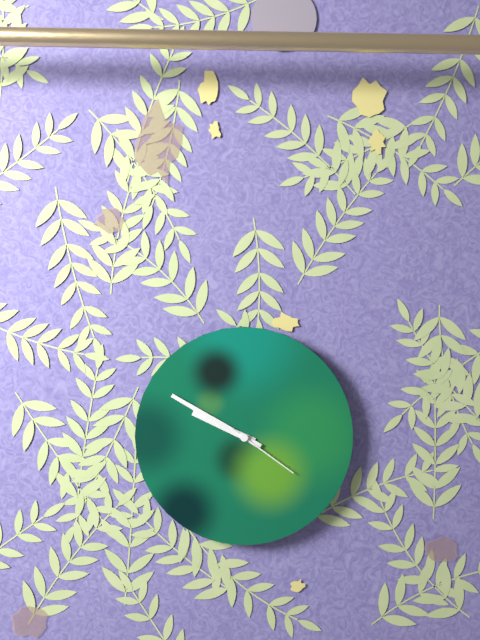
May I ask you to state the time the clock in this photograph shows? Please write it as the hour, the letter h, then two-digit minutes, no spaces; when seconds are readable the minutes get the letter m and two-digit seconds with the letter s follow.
9h50m21s
